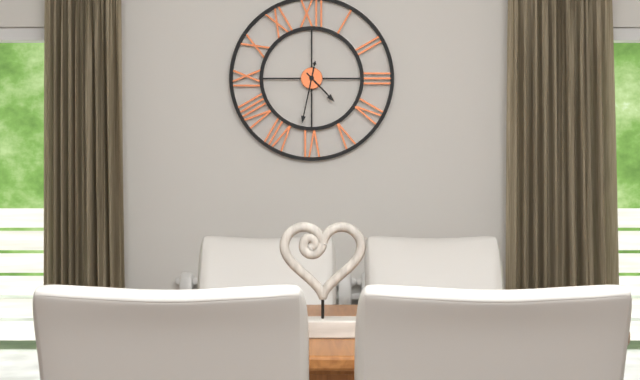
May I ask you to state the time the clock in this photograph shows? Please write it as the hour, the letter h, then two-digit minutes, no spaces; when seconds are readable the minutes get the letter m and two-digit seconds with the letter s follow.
4h32
